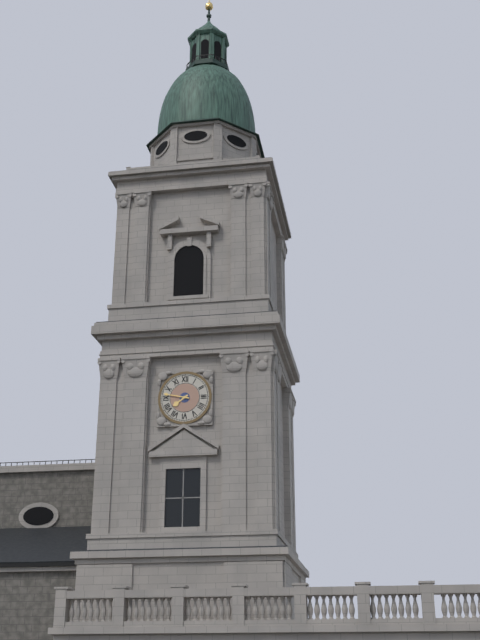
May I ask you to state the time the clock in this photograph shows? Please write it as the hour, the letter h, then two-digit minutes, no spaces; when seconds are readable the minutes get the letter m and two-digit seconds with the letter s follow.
7h47
